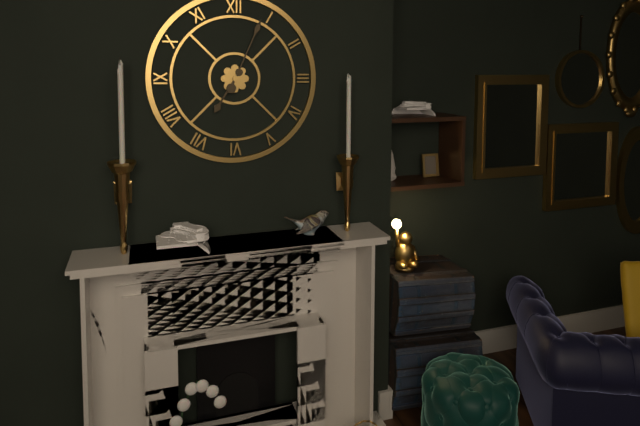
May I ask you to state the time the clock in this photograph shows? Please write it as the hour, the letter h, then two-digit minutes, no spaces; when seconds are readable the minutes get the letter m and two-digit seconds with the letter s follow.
7h04
